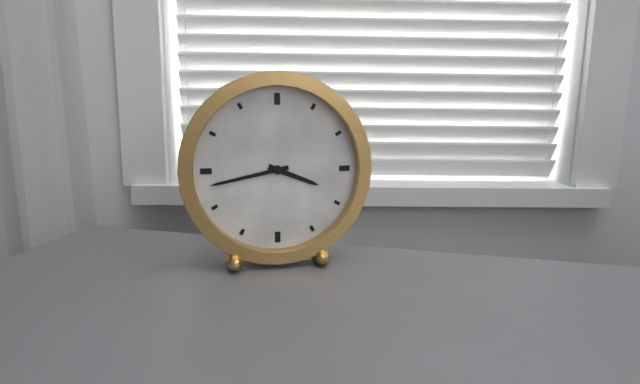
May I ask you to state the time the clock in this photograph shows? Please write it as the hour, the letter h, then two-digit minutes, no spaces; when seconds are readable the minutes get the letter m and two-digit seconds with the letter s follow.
3h43
